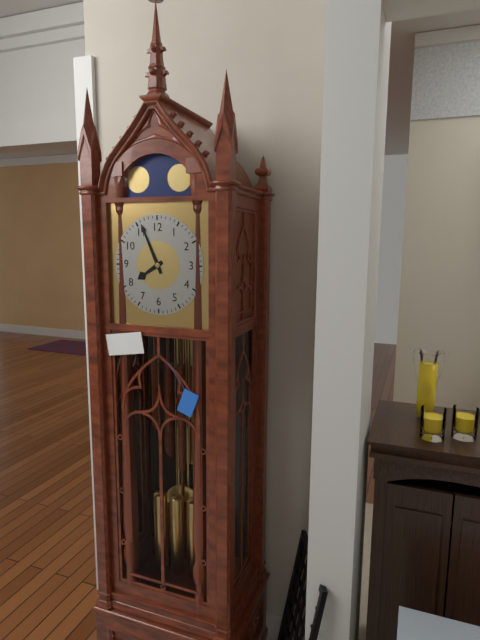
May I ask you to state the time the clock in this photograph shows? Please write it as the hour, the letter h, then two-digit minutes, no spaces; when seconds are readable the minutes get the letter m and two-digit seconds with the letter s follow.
7h56
